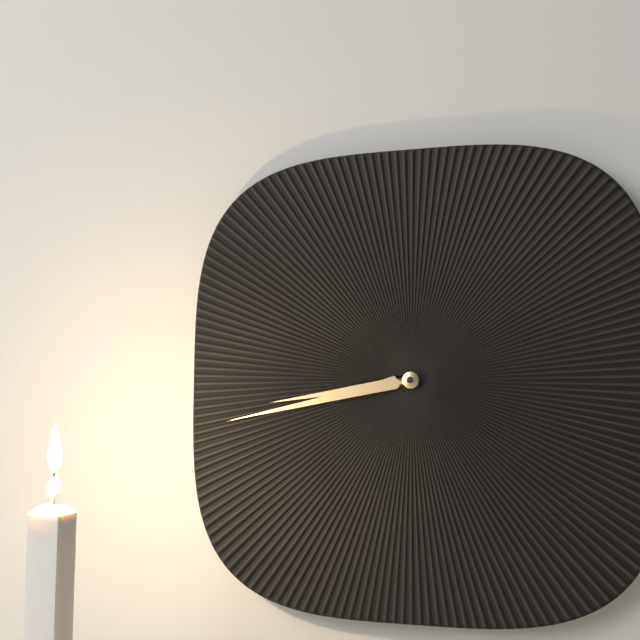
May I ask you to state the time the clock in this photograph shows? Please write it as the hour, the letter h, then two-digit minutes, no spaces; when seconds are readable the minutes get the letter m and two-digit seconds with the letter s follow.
8h43
